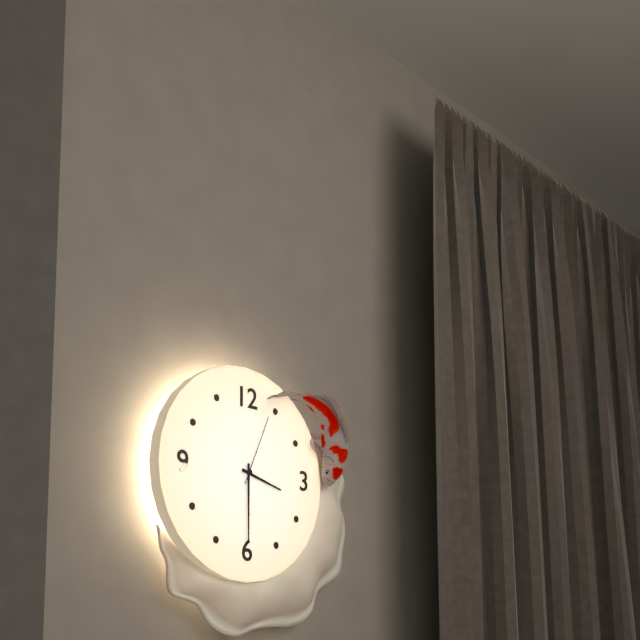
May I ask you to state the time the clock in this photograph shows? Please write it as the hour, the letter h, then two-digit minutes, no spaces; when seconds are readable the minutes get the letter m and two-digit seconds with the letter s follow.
3h30m04s
